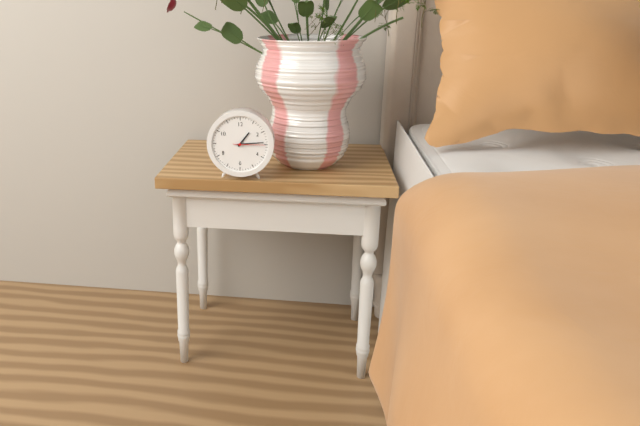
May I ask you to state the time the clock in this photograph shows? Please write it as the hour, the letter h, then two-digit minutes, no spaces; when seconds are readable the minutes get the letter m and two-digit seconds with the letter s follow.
1h14
